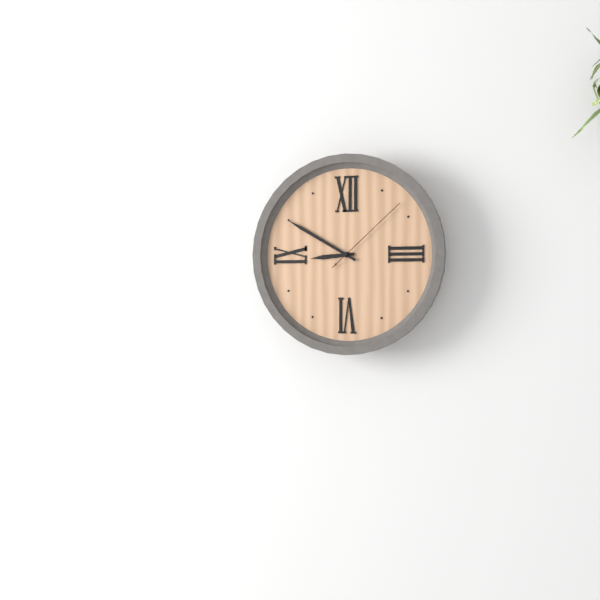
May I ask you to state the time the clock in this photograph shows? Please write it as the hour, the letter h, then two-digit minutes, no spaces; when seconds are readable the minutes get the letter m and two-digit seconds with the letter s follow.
8h50m08s
